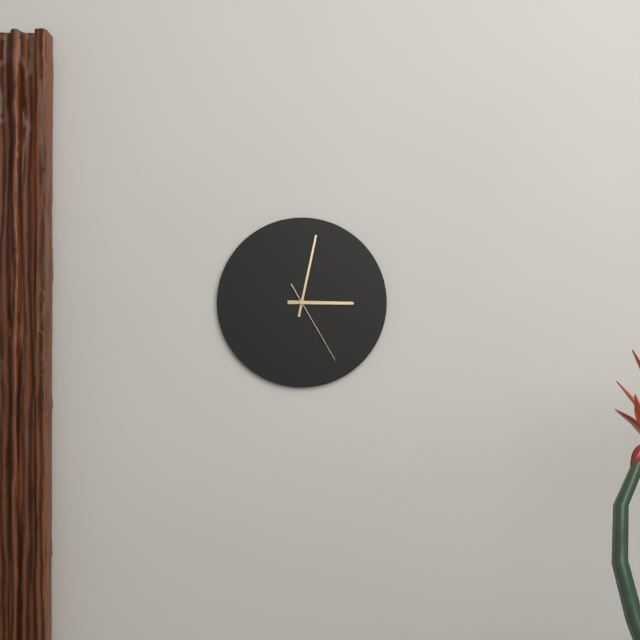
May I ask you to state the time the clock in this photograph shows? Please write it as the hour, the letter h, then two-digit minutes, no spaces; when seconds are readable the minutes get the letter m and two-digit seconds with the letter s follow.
3h02m25s
